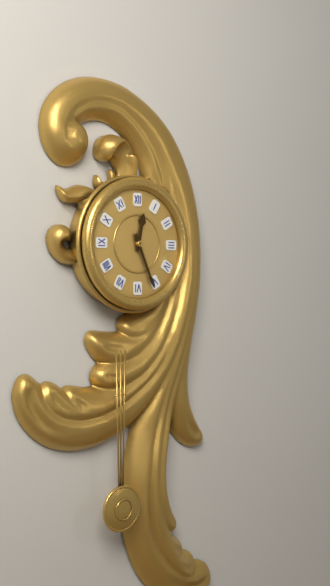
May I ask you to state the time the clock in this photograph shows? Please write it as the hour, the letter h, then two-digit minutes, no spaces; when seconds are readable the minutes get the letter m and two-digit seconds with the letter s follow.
12h26
